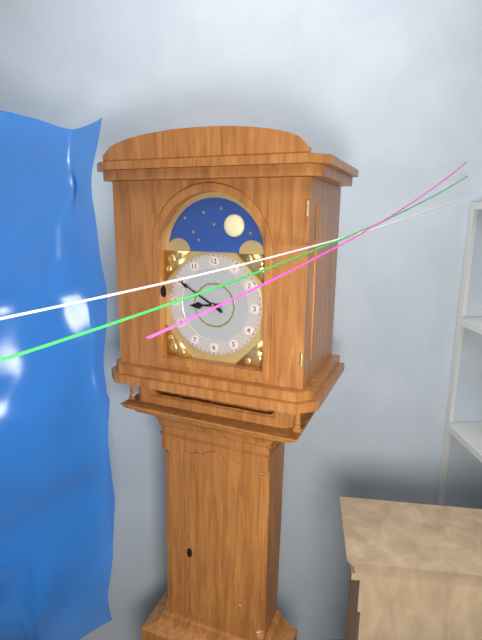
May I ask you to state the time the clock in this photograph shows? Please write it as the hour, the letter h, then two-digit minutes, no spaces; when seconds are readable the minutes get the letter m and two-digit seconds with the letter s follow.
8h50
